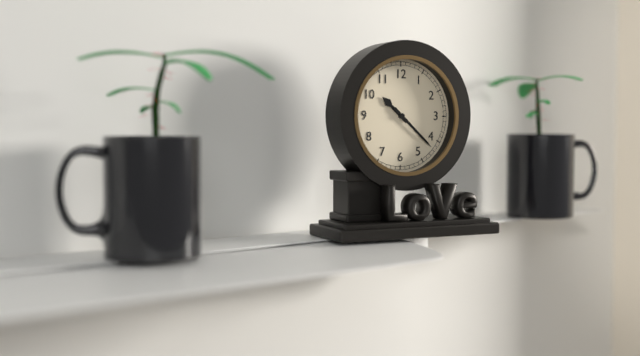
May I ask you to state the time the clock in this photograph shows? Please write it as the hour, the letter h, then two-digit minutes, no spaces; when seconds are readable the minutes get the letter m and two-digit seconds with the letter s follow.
10h22
